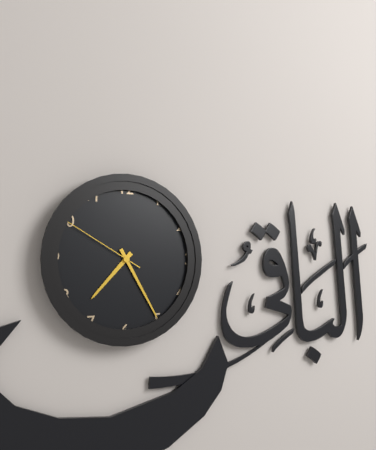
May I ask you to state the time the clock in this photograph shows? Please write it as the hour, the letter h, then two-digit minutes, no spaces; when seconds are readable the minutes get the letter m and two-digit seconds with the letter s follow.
7h25m50s
